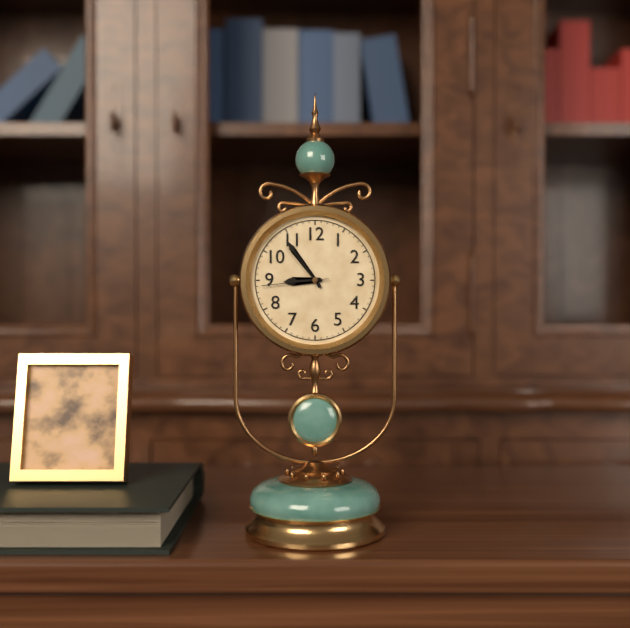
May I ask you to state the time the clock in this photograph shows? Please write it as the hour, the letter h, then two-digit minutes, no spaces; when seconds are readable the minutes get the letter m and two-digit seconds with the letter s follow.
8h54m44s
